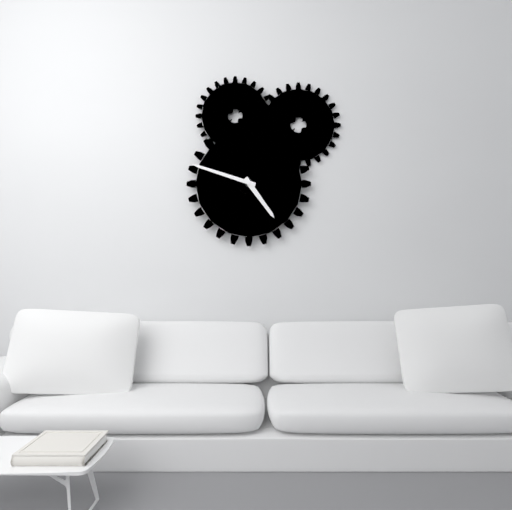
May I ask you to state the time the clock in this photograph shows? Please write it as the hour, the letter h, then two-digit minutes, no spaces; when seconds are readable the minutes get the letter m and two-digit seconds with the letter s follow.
4h48
